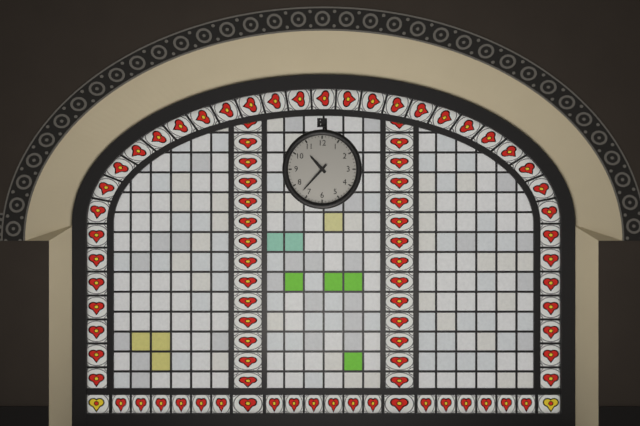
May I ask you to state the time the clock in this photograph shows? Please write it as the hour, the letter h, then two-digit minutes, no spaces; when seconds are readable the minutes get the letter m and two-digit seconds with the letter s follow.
10h37
